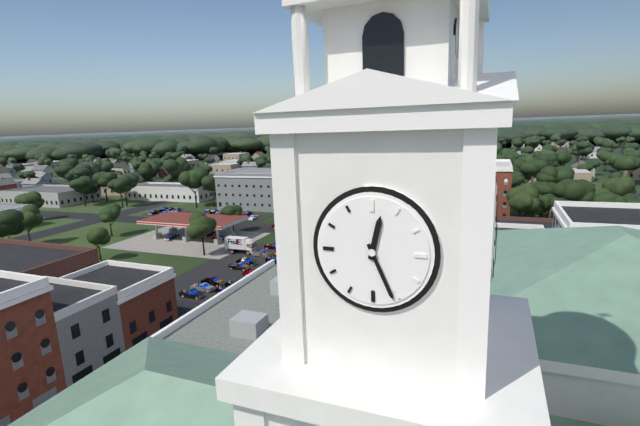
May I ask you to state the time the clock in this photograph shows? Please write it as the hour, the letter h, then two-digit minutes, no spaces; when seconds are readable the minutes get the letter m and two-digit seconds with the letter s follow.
12h26
